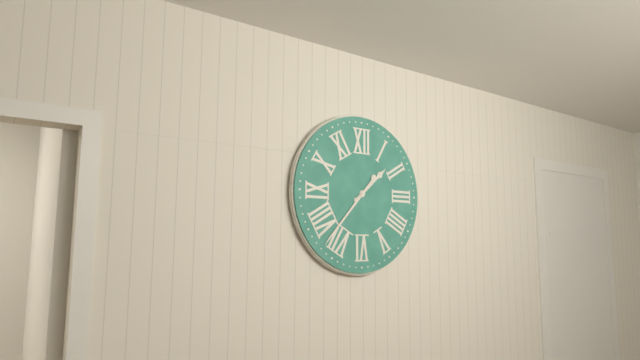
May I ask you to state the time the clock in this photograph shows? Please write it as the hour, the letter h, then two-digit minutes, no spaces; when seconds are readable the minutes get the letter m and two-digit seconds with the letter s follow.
1h37
